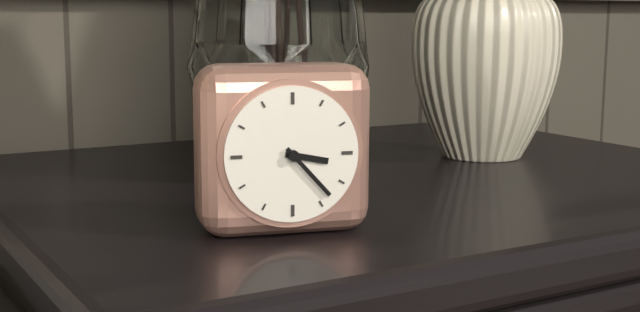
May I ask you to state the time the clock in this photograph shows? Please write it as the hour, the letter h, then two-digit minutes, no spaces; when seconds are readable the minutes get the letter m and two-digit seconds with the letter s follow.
3h23
